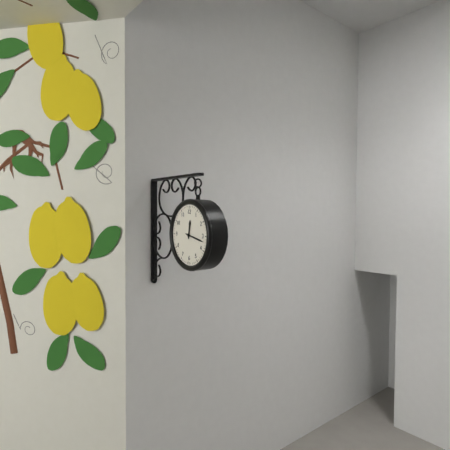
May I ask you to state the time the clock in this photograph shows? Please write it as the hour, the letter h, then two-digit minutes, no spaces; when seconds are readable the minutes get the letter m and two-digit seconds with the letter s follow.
12h17
